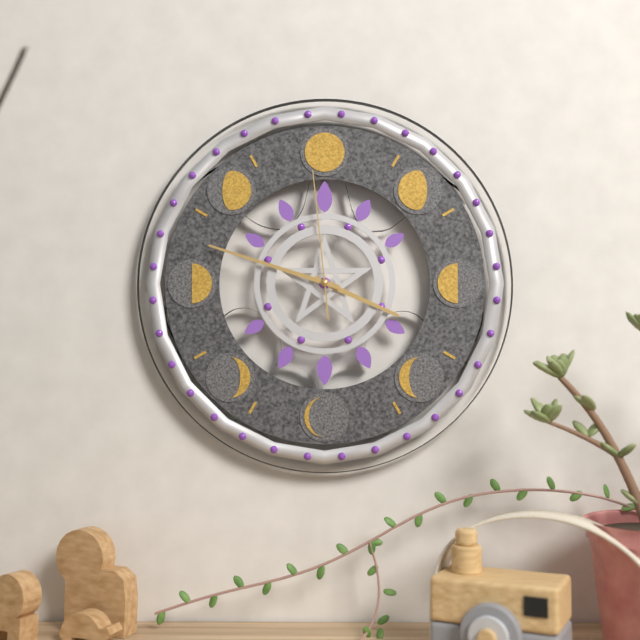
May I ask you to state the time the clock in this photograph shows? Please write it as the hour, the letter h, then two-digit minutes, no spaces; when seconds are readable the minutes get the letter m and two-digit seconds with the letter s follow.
3h48m59s
